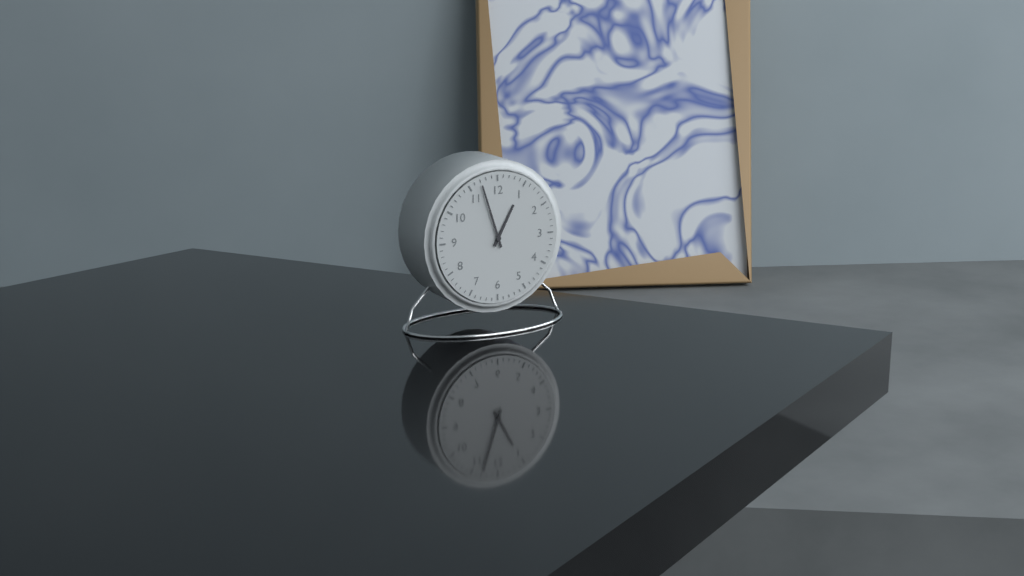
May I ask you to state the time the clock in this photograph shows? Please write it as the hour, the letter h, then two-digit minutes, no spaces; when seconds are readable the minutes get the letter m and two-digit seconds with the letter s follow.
12h57
